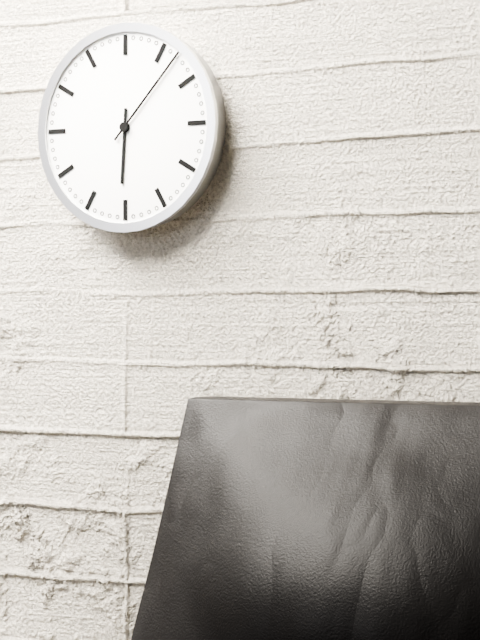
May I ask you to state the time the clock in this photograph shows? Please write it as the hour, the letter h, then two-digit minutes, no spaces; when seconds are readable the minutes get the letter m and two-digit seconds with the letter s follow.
6h07
